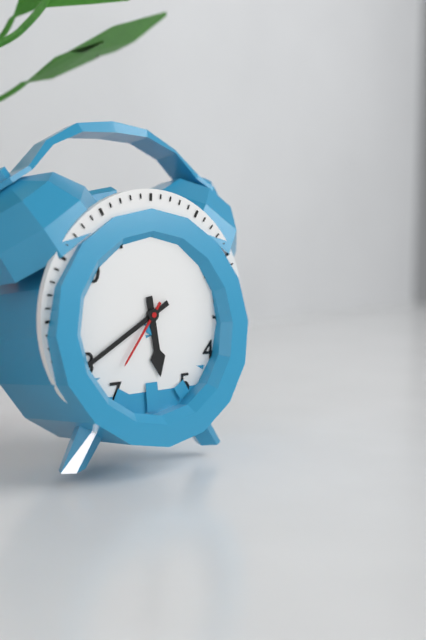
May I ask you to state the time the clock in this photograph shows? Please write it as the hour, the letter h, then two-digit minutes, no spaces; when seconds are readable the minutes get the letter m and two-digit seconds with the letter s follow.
5h40m36s
